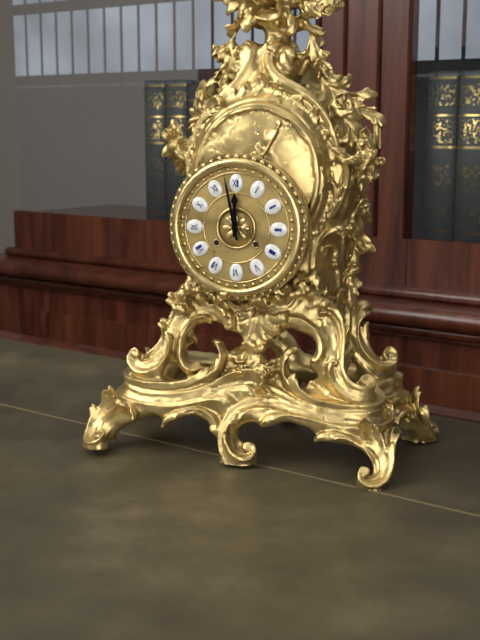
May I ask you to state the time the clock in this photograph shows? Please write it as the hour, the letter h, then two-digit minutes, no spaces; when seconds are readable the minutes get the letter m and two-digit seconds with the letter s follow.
11h58
